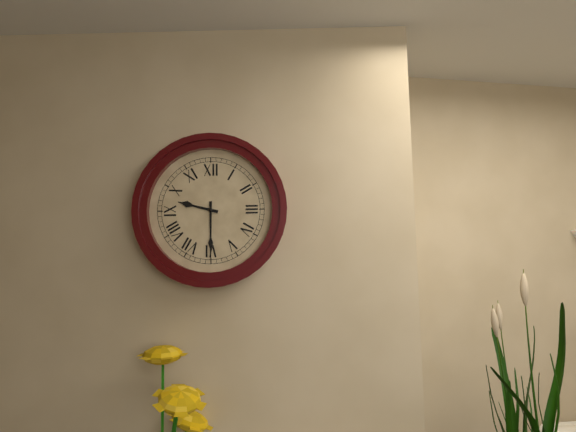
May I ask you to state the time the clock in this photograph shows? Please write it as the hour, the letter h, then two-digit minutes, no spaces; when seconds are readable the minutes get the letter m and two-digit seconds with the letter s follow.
9h30
